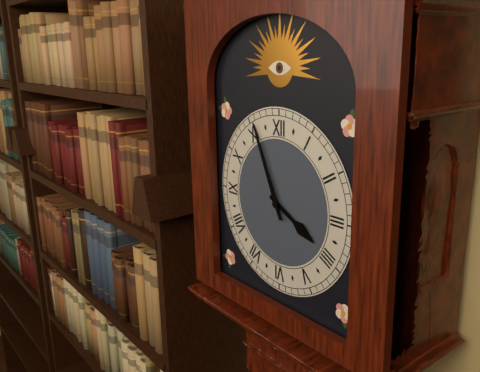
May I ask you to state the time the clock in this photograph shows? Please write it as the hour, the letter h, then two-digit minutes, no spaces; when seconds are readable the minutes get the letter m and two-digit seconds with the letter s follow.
3h56
